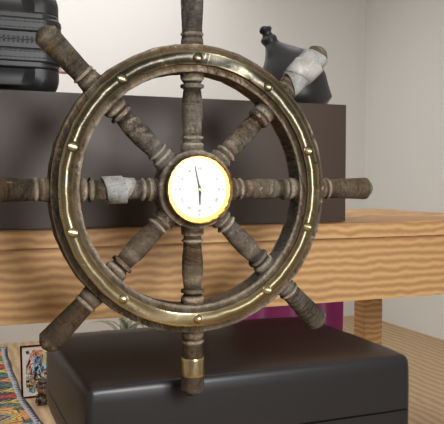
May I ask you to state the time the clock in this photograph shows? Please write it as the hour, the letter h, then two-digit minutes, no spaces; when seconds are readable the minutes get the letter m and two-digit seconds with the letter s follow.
5h58
